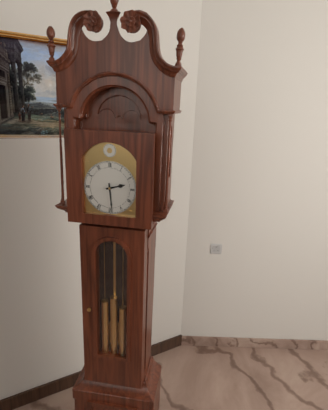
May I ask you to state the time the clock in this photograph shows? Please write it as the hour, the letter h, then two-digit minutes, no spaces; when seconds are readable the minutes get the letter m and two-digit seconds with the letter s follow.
2h29
